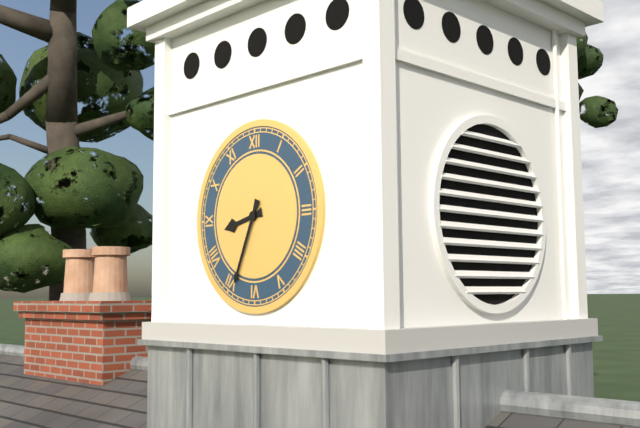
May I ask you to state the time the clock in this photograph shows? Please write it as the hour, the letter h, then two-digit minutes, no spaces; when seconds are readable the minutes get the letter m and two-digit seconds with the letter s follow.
8h34
